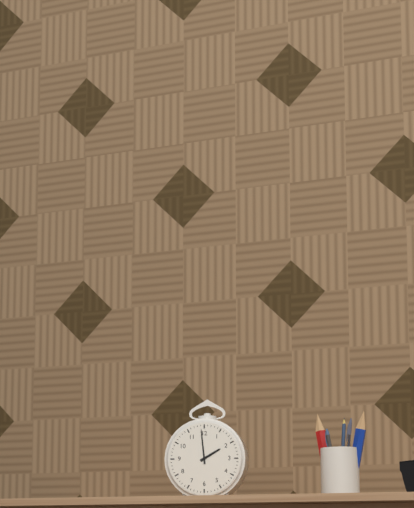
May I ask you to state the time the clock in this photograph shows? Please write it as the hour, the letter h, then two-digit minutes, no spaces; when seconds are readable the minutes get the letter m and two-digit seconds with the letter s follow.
1h59
